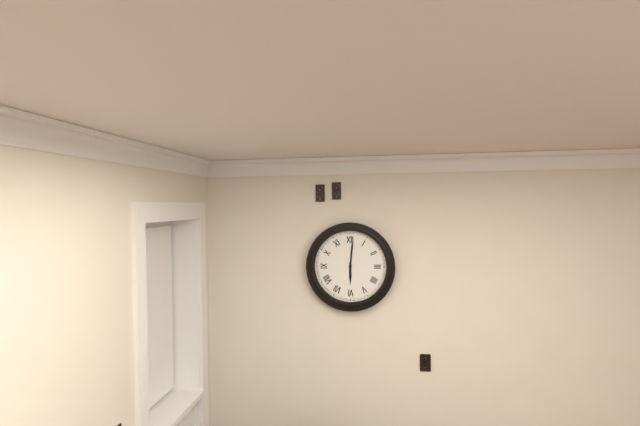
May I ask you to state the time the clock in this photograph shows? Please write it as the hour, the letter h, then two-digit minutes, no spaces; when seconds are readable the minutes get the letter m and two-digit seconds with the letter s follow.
6h01
